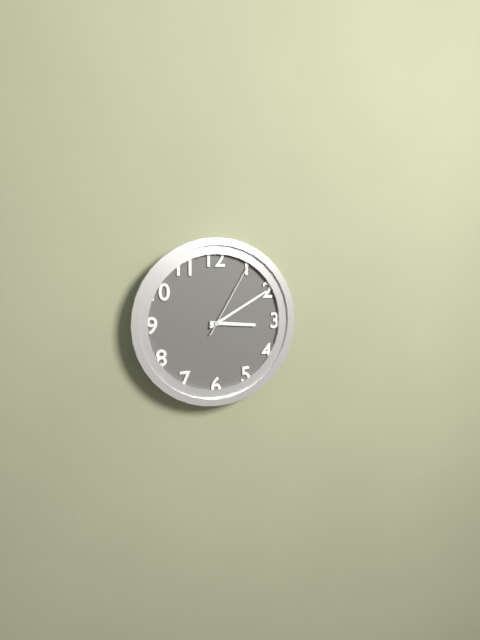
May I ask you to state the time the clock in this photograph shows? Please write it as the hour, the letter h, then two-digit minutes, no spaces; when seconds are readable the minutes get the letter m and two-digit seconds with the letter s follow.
3h10m05s
